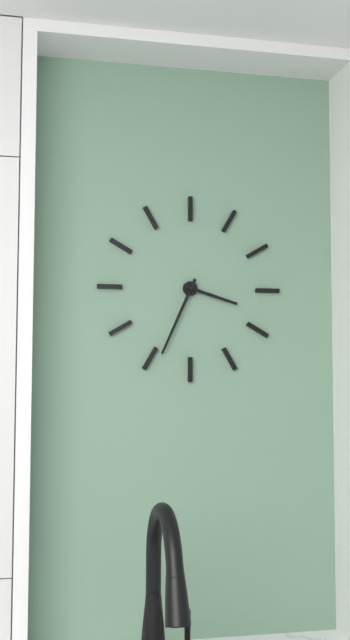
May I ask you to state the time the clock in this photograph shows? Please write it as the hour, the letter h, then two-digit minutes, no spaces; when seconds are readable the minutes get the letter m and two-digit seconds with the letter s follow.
3h34
